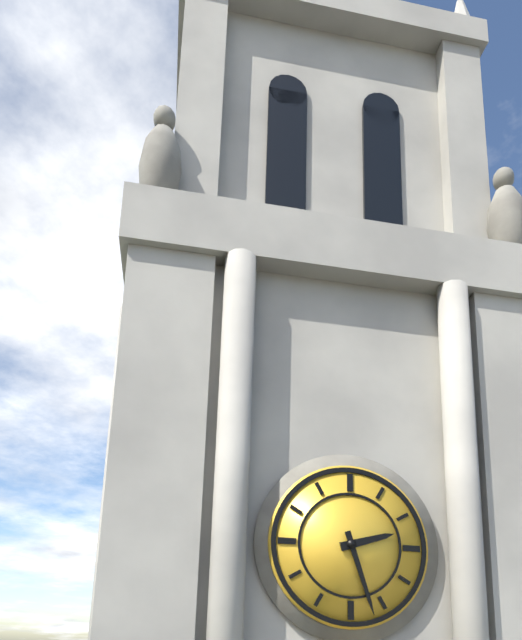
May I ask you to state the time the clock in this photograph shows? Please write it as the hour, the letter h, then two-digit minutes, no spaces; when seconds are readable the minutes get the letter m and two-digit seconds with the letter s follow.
2h27
